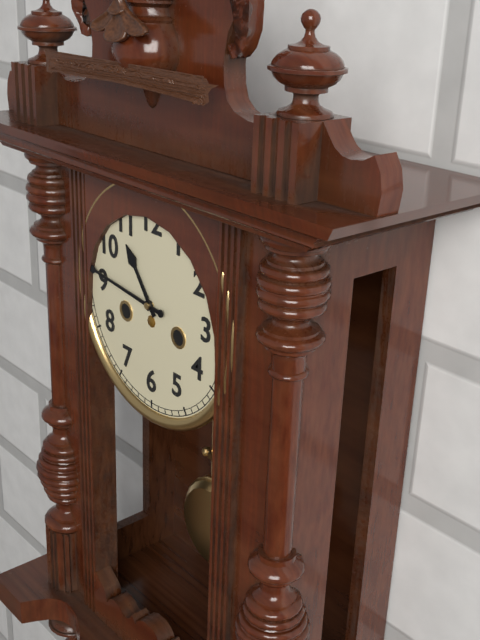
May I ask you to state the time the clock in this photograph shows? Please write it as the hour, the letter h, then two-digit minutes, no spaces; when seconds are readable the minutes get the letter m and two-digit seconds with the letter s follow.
10h46
